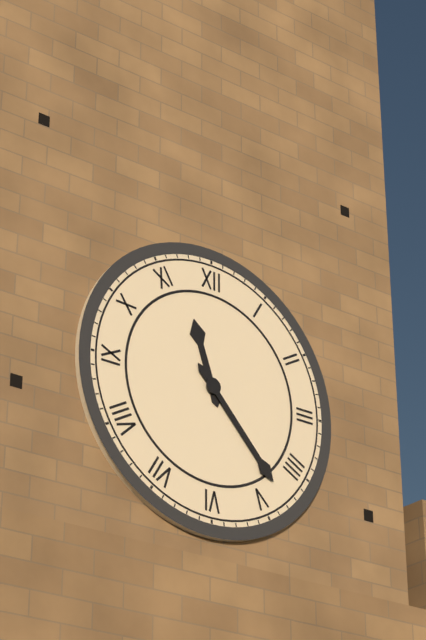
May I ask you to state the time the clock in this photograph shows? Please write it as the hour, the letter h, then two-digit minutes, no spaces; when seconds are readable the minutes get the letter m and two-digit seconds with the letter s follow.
11h23
